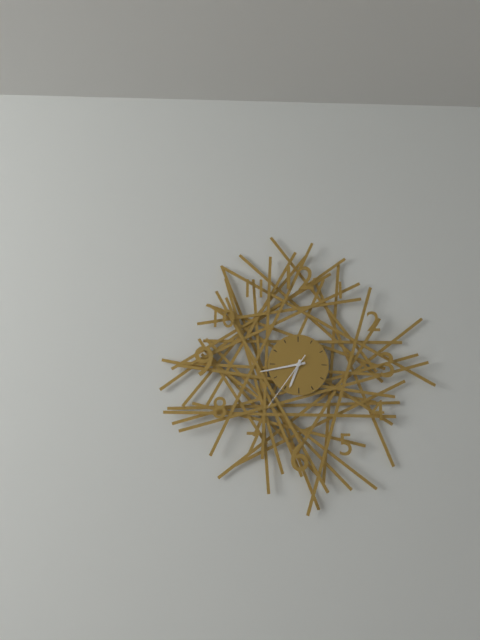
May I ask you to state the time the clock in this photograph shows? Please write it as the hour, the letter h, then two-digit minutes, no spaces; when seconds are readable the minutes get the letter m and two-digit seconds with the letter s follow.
6h43m36s
